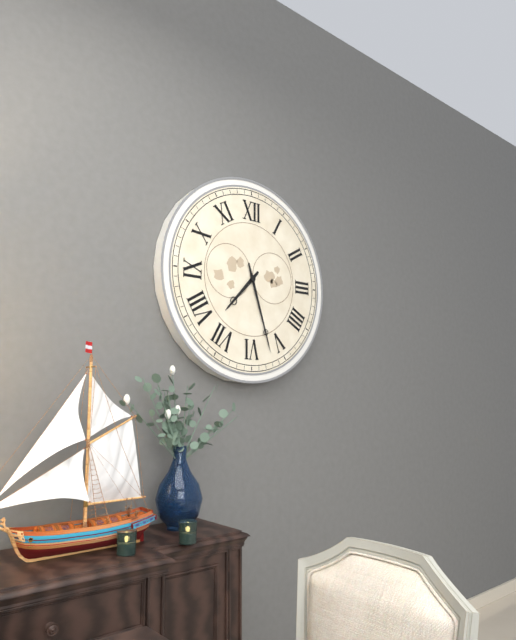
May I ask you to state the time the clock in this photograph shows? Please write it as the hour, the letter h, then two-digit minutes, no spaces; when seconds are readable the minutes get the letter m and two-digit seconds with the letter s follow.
7h27
